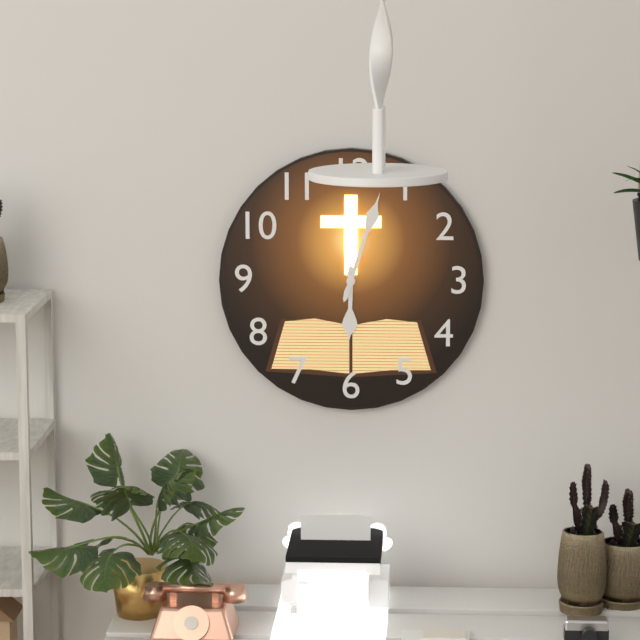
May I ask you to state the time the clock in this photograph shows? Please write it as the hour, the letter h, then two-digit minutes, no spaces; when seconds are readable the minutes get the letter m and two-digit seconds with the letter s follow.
6h03
